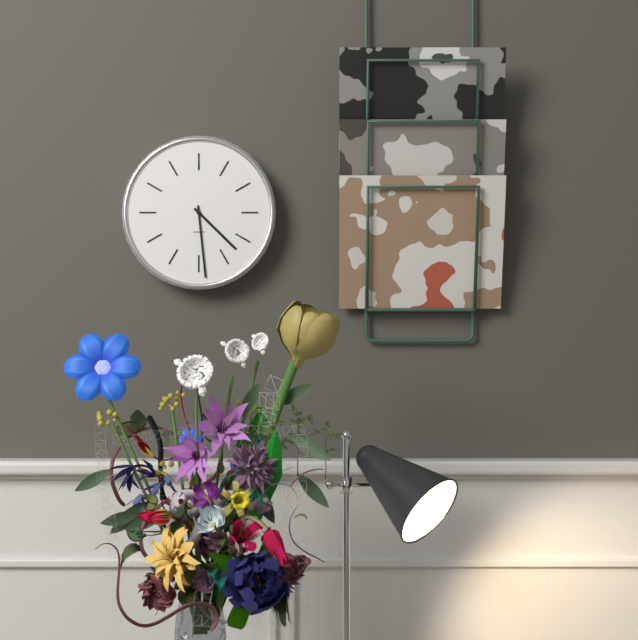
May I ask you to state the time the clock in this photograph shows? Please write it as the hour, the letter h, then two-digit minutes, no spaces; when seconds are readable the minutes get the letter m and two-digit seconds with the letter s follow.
4h29
